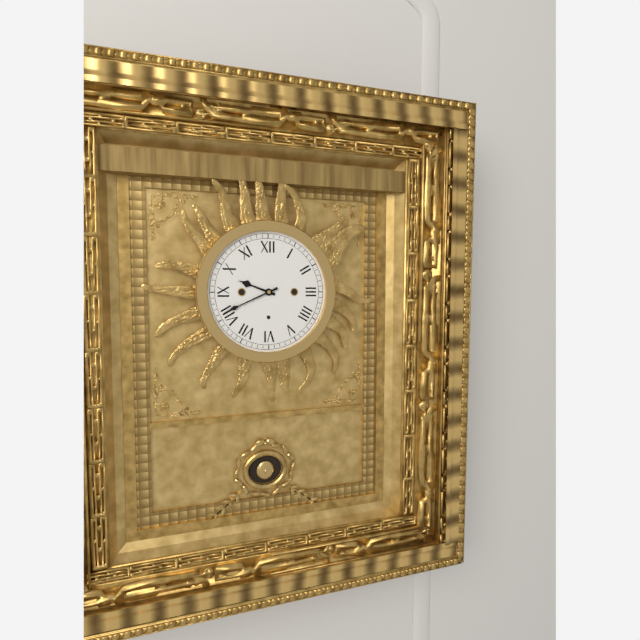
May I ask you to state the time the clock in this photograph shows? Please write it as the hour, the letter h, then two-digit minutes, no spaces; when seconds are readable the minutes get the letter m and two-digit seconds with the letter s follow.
9h41
